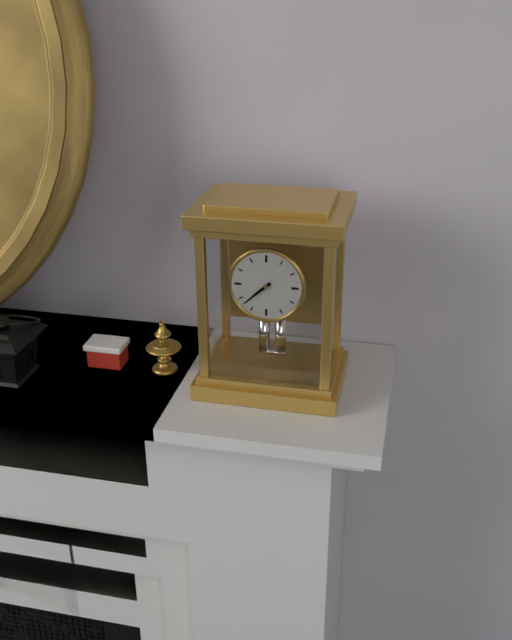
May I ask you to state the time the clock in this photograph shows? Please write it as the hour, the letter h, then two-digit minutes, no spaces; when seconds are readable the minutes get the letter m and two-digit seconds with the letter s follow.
7h38
